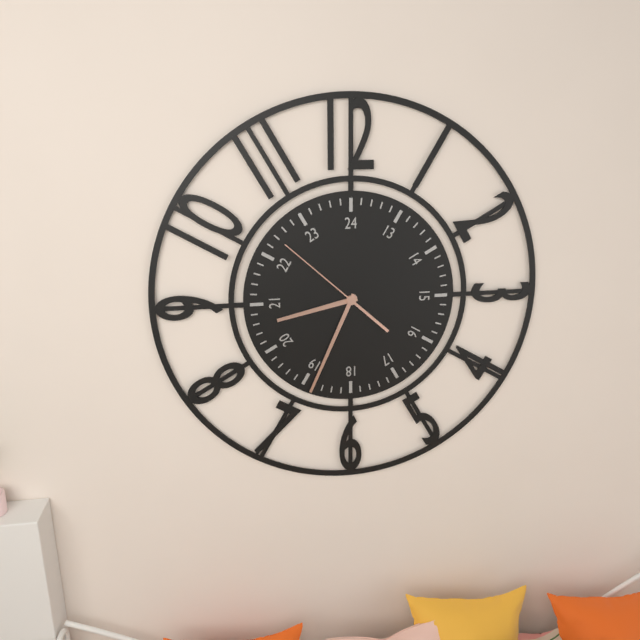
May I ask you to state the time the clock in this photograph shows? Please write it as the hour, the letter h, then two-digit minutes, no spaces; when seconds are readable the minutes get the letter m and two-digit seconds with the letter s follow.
8h34m52s
